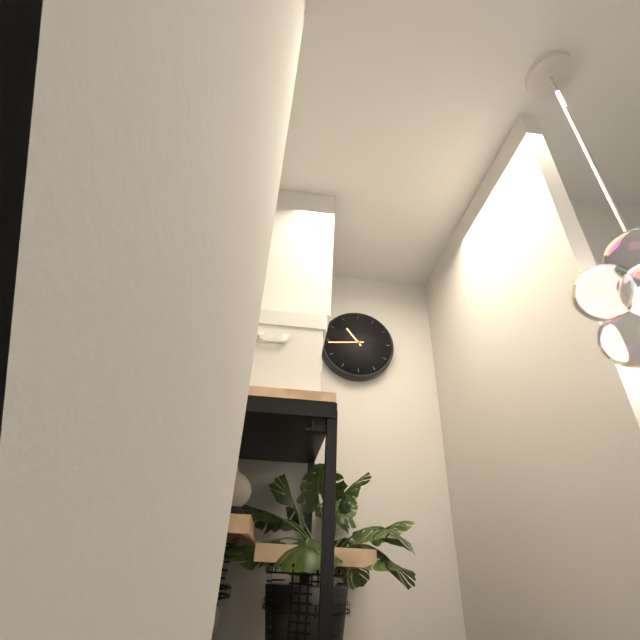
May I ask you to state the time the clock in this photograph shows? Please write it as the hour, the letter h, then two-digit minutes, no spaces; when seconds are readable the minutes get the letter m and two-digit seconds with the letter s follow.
10h44
